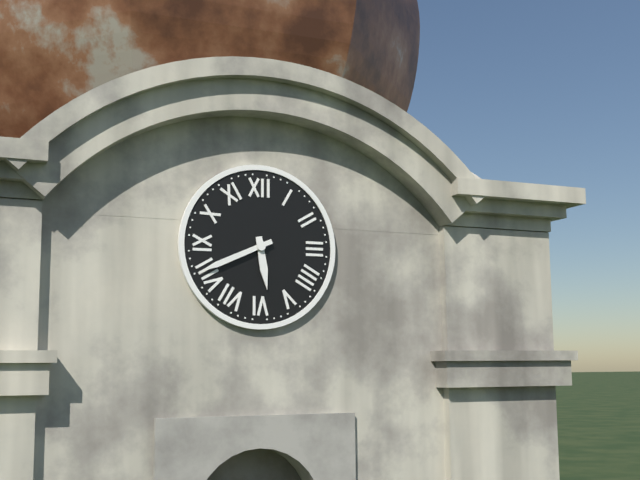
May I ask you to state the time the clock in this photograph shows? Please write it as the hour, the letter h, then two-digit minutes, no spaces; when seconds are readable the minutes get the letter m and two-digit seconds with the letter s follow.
5h41
